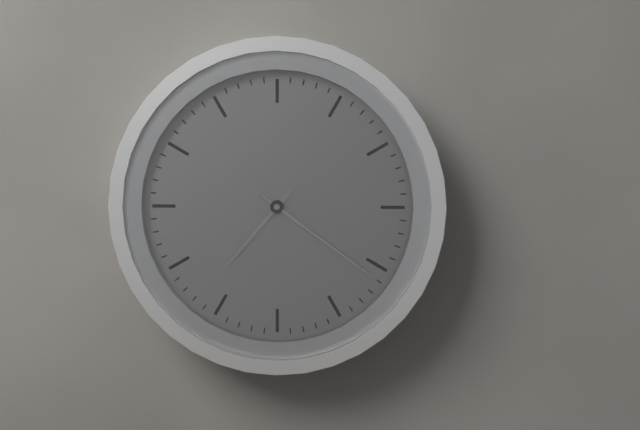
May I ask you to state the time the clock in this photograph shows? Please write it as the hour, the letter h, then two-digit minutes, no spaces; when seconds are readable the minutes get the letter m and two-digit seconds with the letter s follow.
7h21
